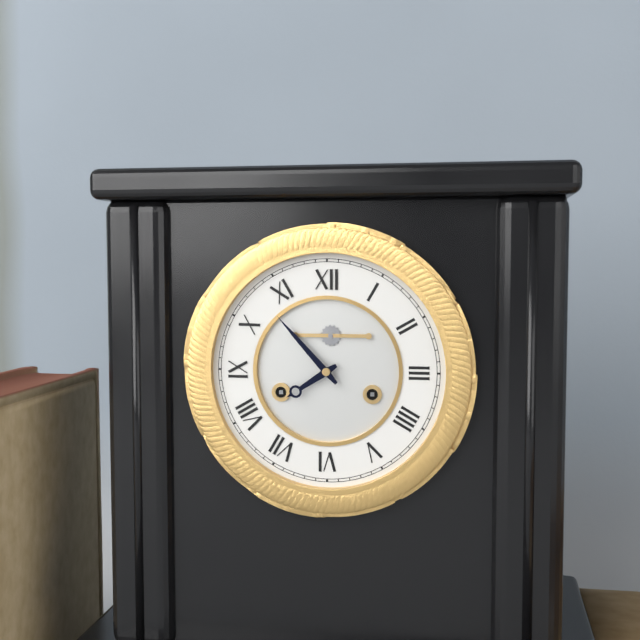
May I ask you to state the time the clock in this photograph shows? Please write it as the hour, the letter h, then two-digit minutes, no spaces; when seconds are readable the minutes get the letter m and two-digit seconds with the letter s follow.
7h53
